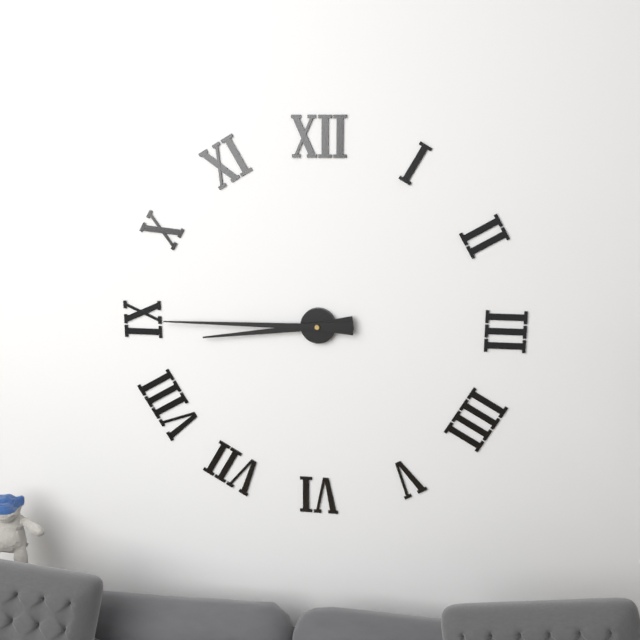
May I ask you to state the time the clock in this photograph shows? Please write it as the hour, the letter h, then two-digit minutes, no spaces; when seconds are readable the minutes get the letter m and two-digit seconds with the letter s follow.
8h45
